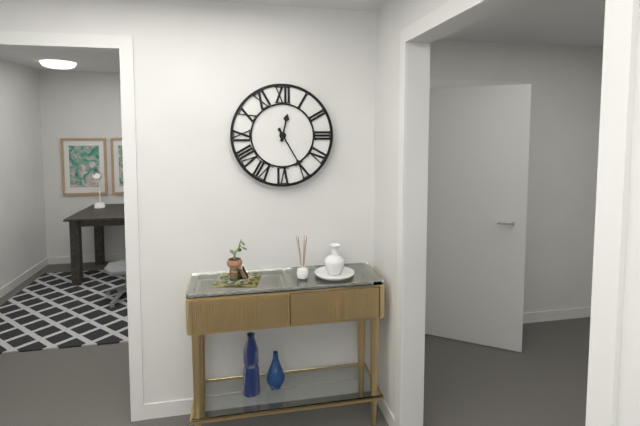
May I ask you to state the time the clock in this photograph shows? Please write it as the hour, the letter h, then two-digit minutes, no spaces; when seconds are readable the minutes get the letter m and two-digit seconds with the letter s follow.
12h25
